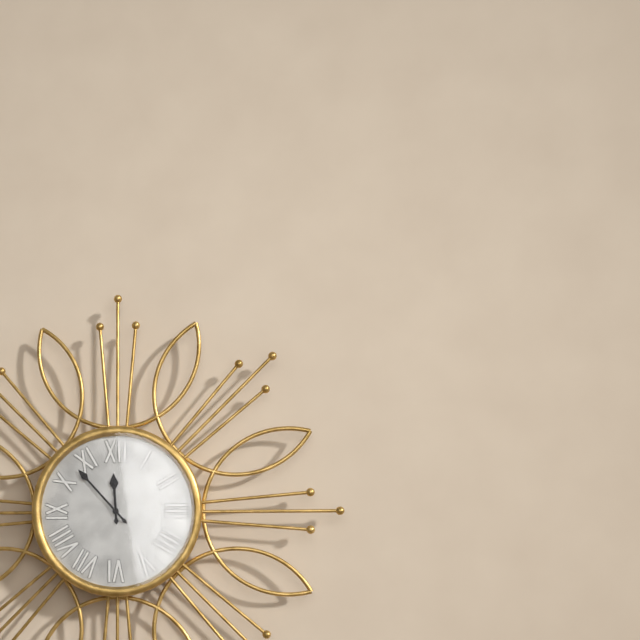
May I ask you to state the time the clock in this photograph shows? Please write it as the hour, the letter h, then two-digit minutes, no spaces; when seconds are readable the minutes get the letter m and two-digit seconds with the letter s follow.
11h53
